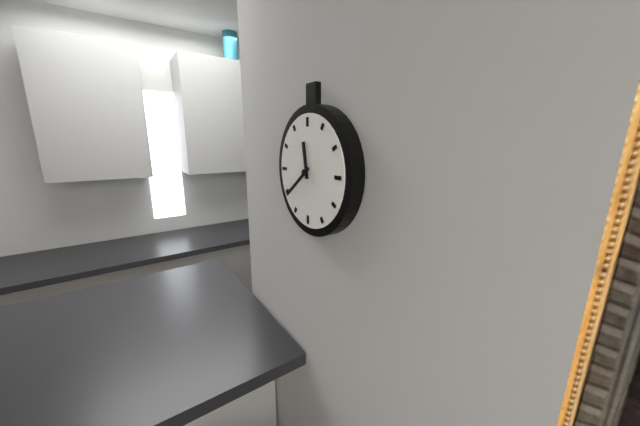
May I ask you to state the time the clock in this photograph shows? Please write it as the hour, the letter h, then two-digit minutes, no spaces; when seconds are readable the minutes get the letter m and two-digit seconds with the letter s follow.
11h39
